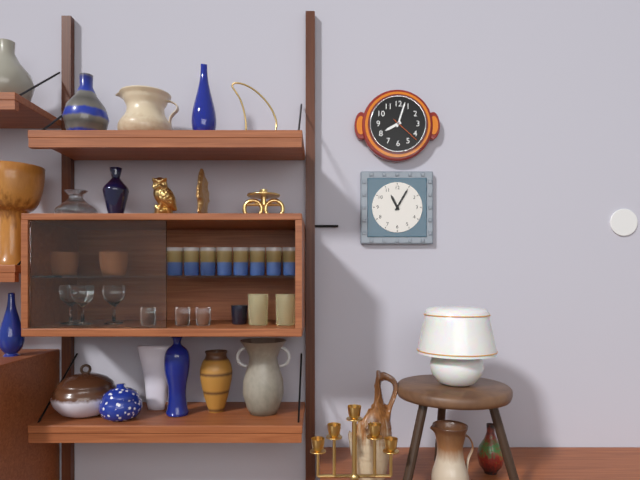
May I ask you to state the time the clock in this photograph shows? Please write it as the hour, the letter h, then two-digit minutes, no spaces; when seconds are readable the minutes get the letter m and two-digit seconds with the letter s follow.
8h03
